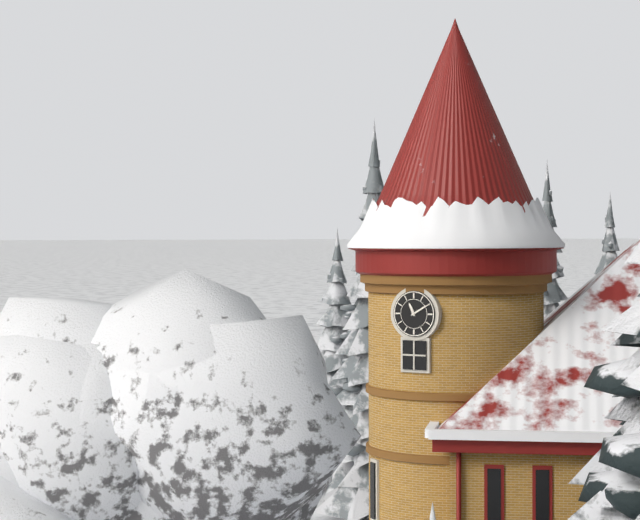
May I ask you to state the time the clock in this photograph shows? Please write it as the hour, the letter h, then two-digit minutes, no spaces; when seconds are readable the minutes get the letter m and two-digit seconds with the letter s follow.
11h10
